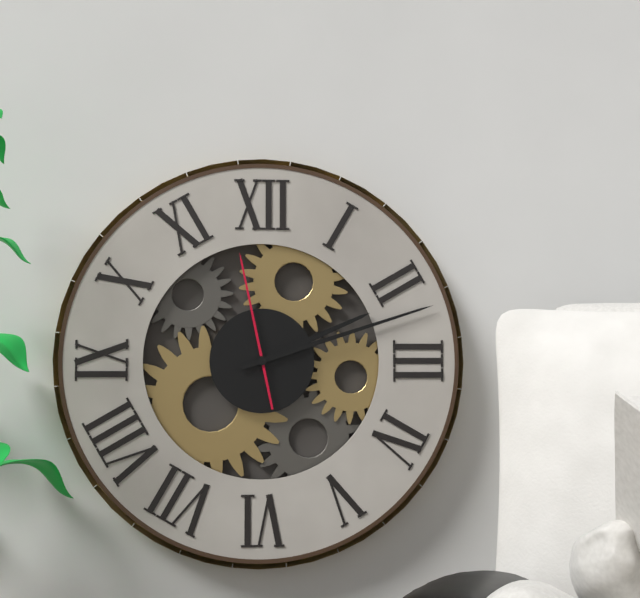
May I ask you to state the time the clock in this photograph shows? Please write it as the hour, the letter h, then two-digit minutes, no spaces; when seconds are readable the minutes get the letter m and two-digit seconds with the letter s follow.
2h12m58s
